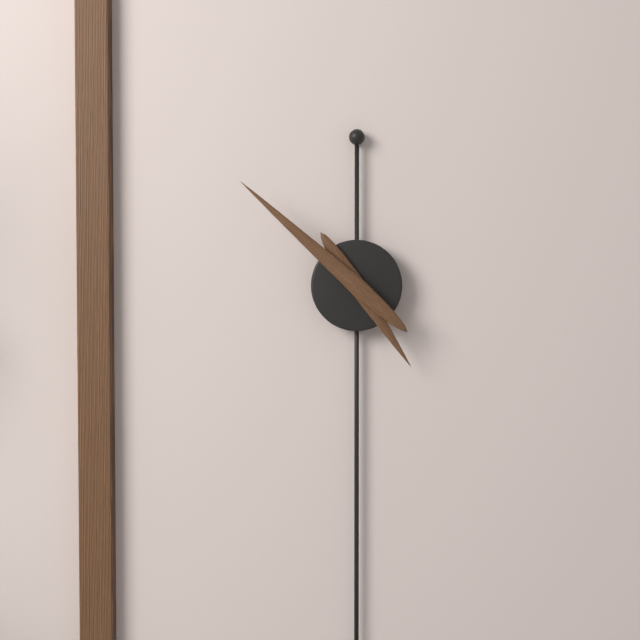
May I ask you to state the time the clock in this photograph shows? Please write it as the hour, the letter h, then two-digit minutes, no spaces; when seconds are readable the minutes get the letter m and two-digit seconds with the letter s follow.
4h52
